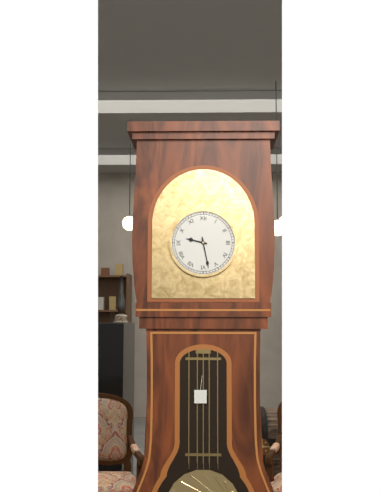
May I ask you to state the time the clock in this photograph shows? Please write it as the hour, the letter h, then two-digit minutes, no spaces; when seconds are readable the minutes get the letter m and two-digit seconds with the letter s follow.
9h28
